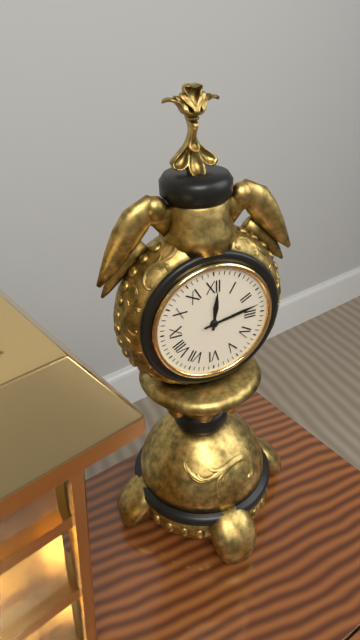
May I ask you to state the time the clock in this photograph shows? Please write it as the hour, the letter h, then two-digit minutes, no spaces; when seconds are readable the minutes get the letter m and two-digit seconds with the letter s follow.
12h13
